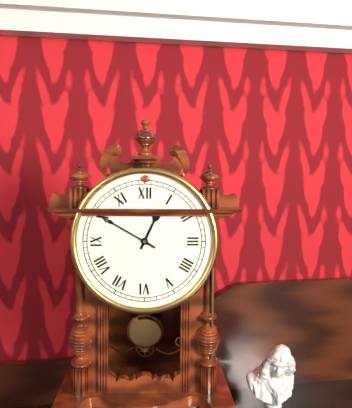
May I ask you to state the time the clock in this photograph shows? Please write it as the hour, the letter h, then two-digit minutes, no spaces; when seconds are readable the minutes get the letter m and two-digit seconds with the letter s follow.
12h50
